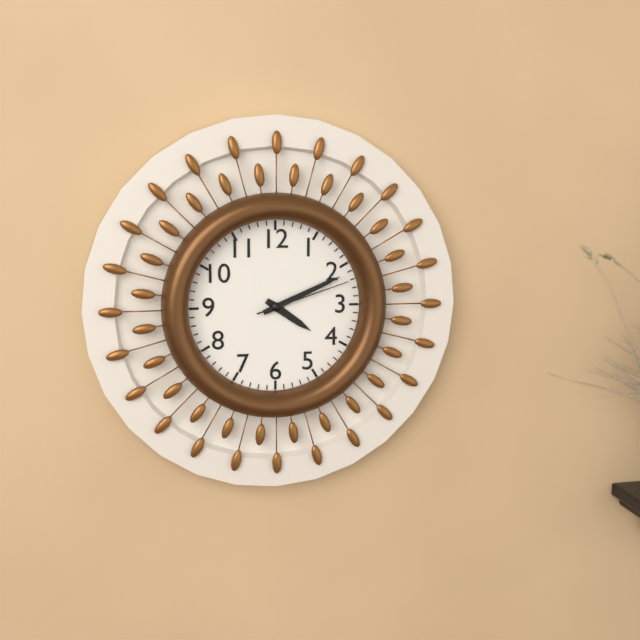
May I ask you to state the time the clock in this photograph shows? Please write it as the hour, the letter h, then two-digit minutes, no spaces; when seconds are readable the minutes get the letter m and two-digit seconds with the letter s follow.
4h11m12s
